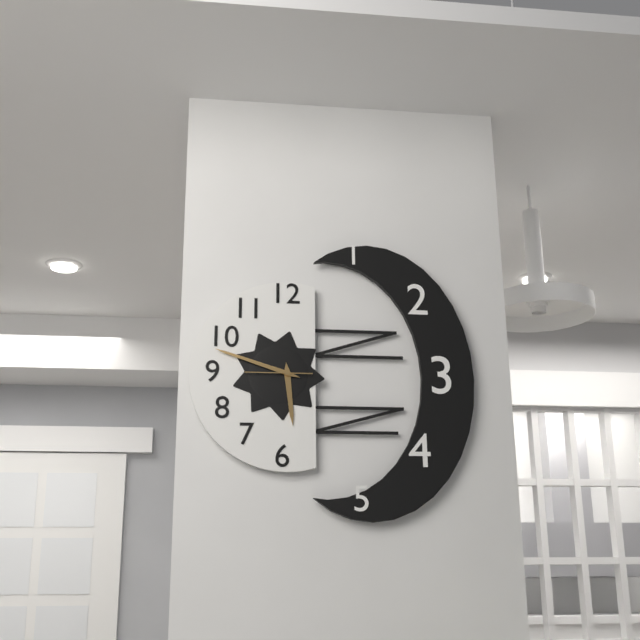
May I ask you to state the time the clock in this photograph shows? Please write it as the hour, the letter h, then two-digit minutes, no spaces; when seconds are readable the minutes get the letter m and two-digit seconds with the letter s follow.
5h48m45s
